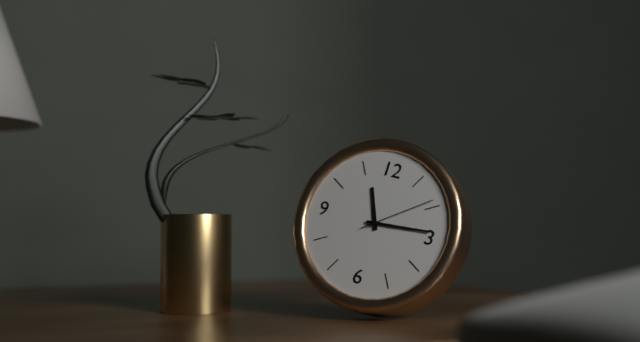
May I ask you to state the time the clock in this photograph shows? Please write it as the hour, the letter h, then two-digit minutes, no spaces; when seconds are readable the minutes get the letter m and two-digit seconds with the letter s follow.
11h14m09s
